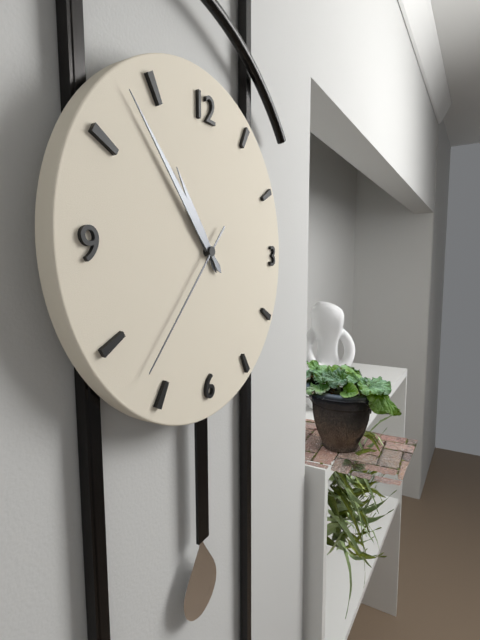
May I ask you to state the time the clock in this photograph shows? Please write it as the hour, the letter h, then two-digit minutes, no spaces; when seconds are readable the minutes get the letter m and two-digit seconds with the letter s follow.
10h53m37s
